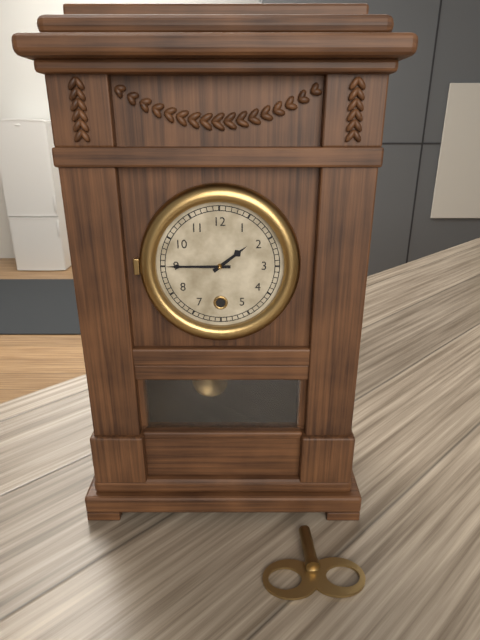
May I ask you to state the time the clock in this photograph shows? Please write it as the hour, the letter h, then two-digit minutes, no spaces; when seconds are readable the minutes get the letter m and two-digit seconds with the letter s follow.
1h45
